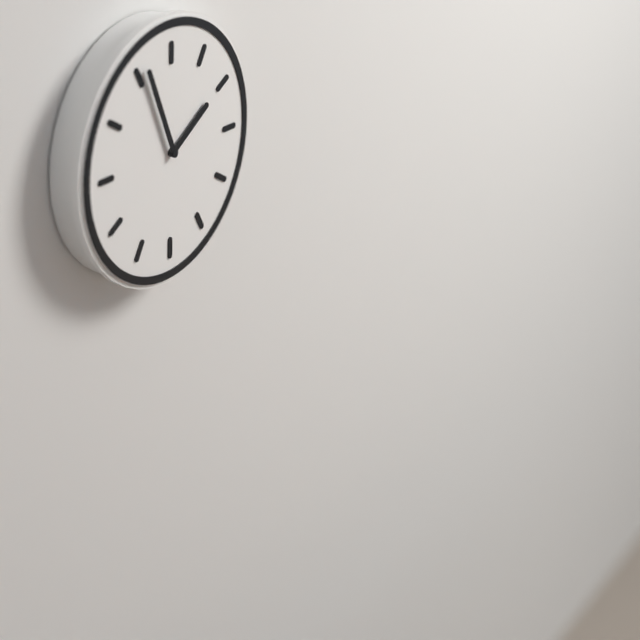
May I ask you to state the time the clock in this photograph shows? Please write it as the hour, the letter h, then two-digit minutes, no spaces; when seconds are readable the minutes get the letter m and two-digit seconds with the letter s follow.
1h56
